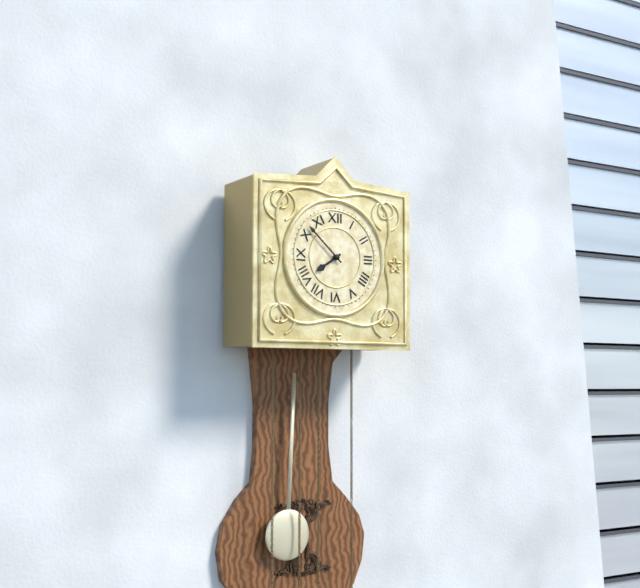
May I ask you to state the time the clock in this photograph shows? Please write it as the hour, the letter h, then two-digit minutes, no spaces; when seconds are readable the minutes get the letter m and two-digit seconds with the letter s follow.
7h52
